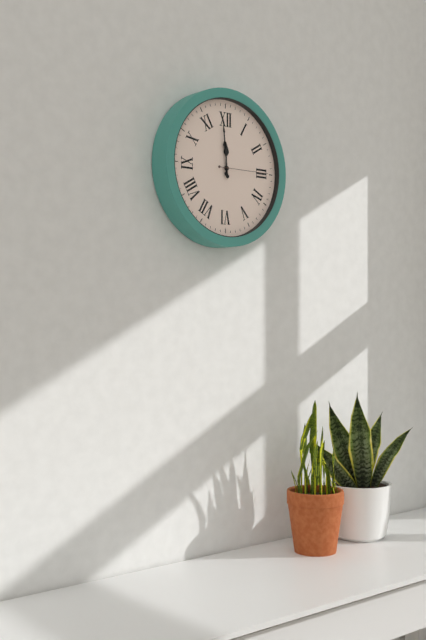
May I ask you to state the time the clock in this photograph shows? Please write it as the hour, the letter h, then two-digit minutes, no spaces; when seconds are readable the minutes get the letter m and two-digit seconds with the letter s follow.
11h59m15s
